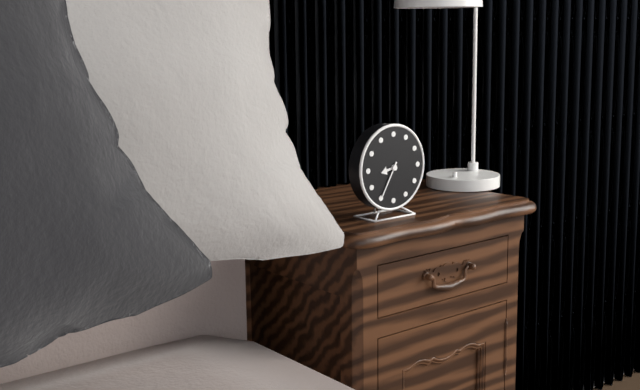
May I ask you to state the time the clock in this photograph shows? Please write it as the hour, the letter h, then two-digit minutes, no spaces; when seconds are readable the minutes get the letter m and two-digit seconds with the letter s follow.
8h35
